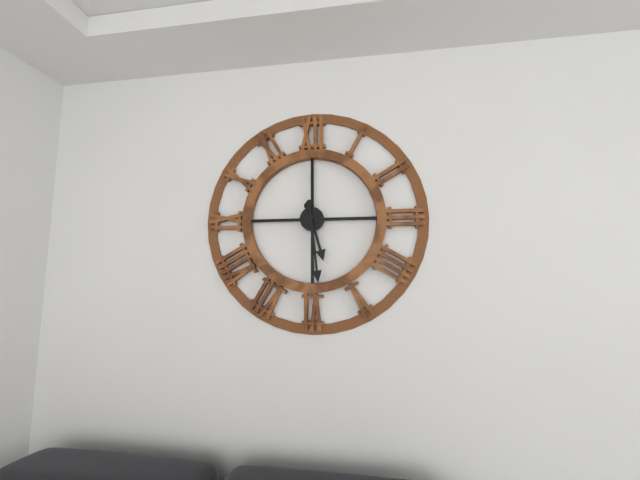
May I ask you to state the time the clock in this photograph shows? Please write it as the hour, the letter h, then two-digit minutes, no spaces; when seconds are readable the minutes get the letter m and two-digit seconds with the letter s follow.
5h29
